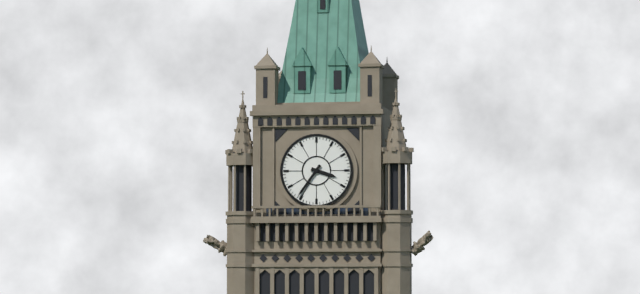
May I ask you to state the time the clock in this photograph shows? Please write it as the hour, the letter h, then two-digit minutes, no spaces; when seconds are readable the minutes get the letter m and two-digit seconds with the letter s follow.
3h36
